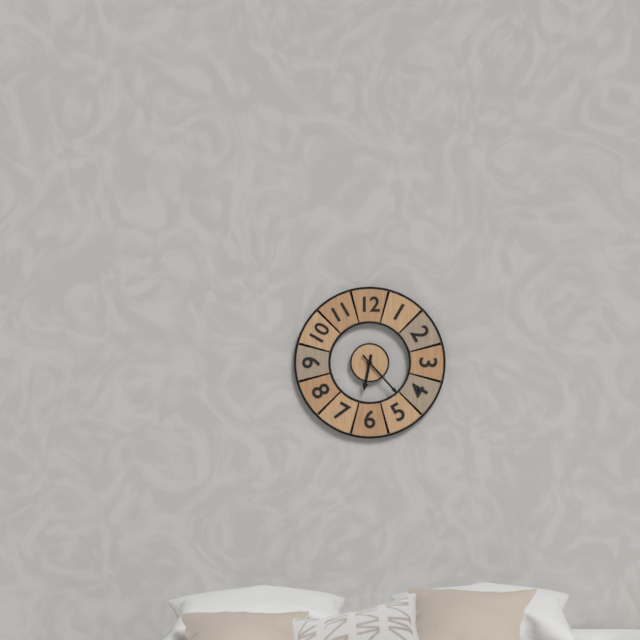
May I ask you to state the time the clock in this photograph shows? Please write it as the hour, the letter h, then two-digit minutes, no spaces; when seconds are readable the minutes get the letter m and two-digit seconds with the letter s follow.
6h23
